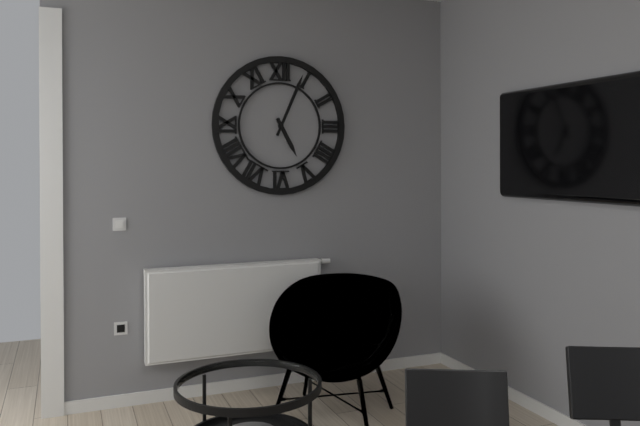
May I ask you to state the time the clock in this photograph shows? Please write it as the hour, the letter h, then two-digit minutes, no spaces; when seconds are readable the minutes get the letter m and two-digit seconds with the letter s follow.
5h04
